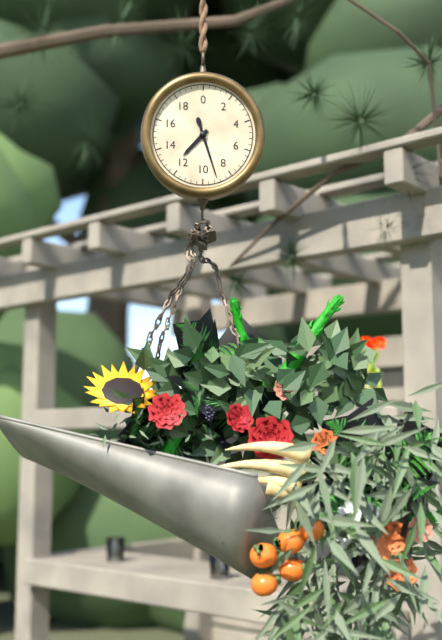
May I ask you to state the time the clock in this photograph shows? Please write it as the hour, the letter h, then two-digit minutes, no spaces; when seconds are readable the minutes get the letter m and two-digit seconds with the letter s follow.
7h27
